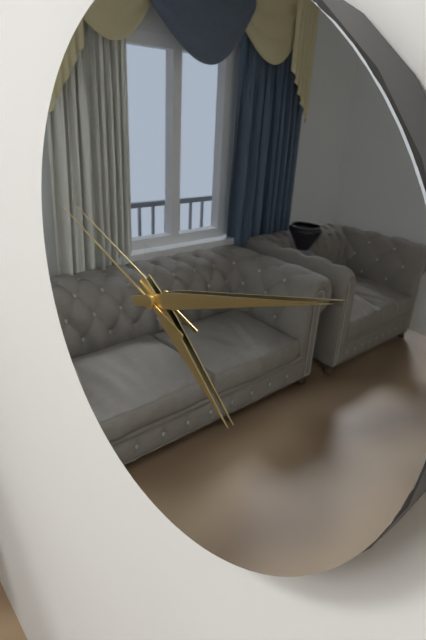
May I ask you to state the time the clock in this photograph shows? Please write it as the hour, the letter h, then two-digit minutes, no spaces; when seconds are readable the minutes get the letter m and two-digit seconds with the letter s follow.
4h12m48s
